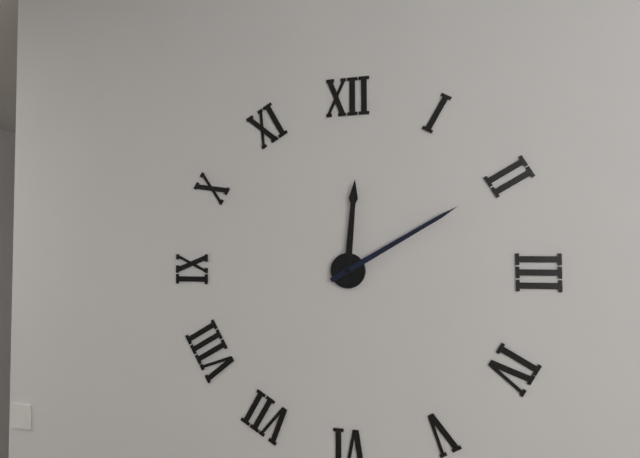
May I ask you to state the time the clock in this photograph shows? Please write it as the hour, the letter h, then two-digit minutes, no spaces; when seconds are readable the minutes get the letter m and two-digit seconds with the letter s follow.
12h10
